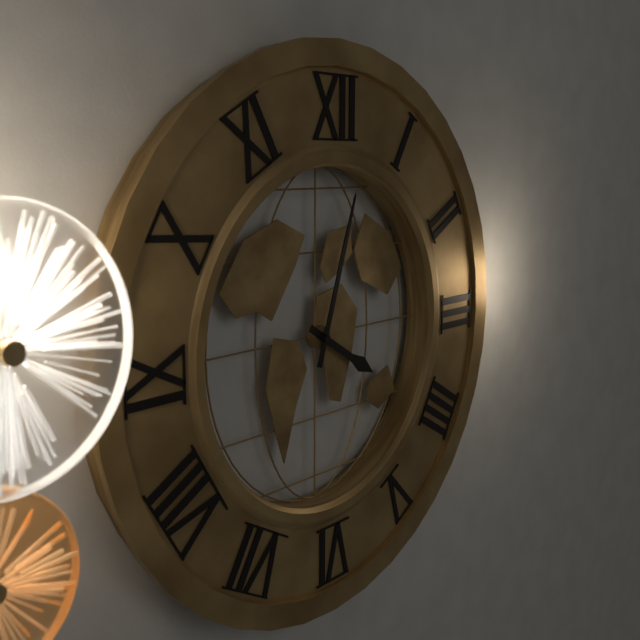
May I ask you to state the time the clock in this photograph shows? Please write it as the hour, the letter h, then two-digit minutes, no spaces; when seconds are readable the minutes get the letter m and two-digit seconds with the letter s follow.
4h03
